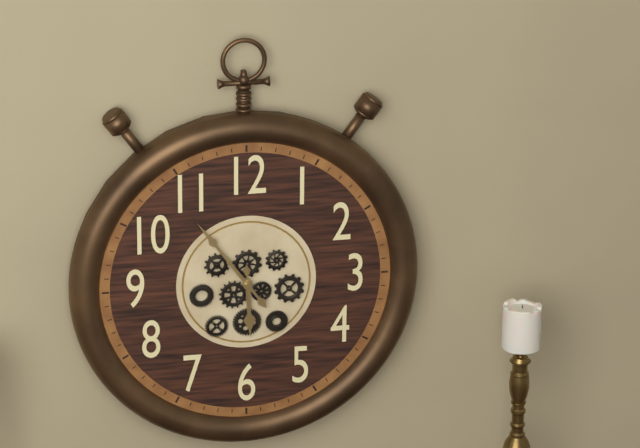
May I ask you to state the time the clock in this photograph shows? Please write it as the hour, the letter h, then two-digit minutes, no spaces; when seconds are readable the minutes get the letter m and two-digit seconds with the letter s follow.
5h54
